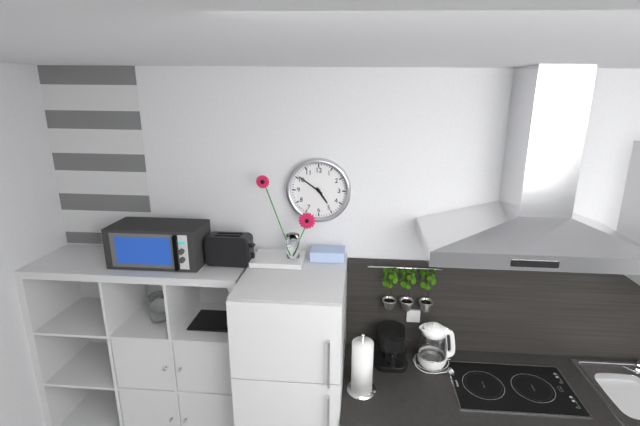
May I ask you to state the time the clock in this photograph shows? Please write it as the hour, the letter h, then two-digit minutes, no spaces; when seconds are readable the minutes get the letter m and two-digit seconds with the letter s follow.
4h51
